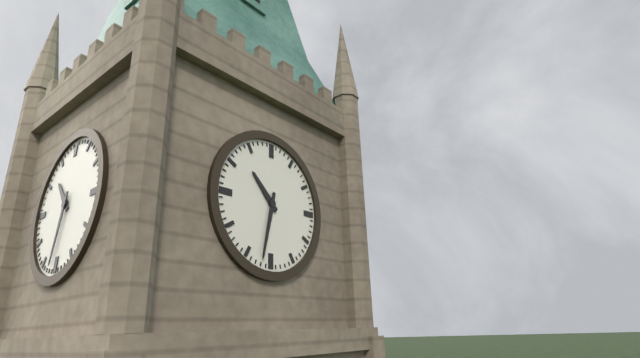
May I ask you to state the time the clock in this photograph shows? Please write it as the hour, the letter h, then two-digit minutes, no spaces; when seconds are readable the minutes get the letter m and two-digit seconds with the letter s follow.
10h32
